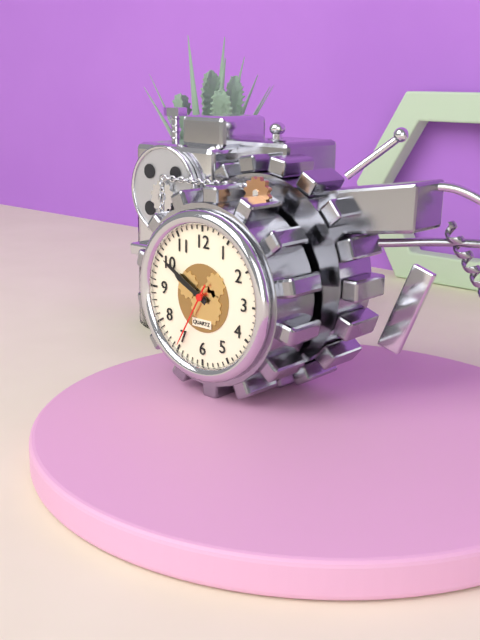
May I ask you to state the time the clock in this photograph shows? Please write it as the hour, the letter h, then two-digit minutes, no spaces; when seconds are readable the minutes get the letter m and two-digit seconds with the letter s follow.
9h50m35s
